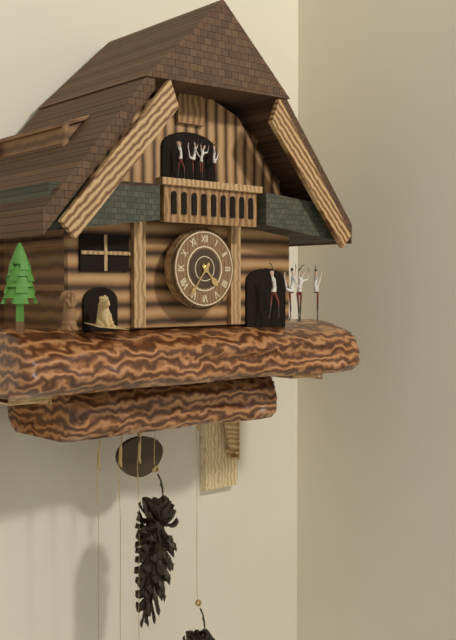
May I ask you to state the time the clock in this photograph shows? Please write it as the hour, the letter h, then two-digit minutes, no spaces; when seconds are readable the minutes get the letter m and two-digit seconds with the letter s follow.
4h36
